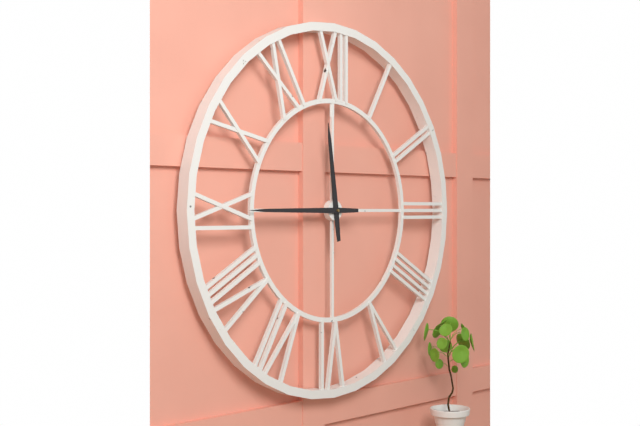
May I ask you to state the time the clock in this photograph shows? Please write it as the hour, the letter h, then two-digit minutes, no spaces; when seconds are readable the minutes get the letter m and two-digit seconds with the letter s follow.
11h45
